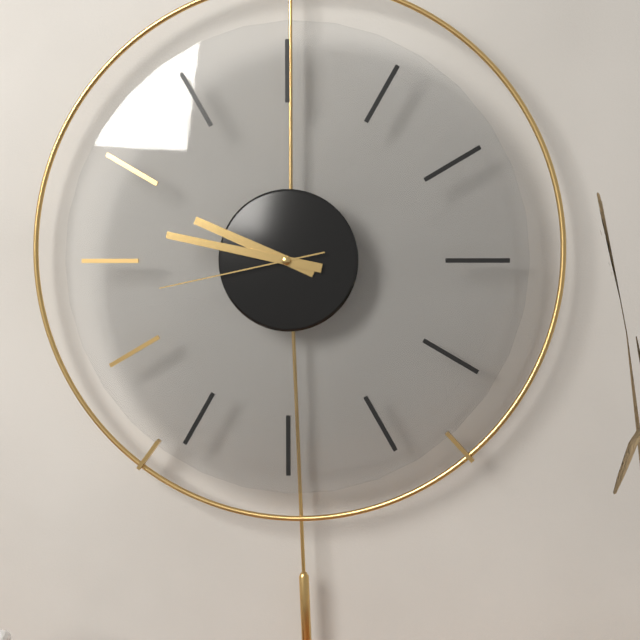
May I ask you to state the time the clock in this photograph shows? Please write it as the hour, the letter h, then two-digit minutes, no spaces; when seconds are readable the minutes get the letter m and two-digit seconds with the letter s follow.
9h47m43s
